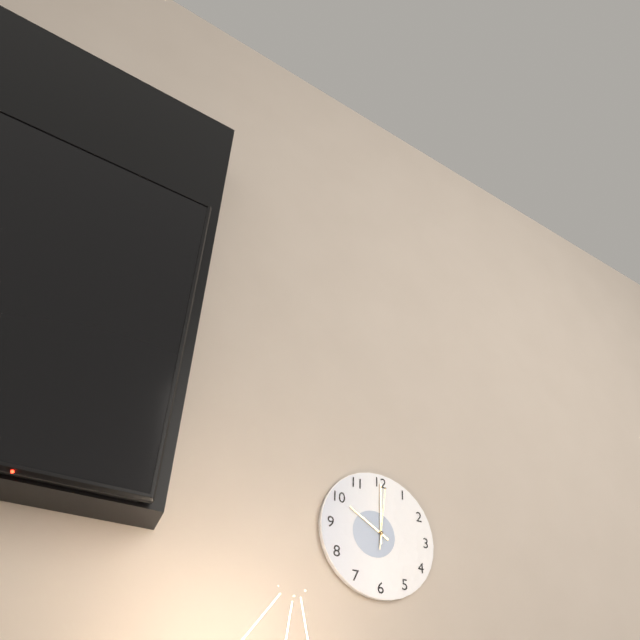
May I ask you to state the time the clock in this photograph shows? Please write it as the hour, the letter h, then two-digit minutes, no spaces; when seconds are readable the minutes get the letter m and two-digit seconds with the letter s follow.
10h00m01s
